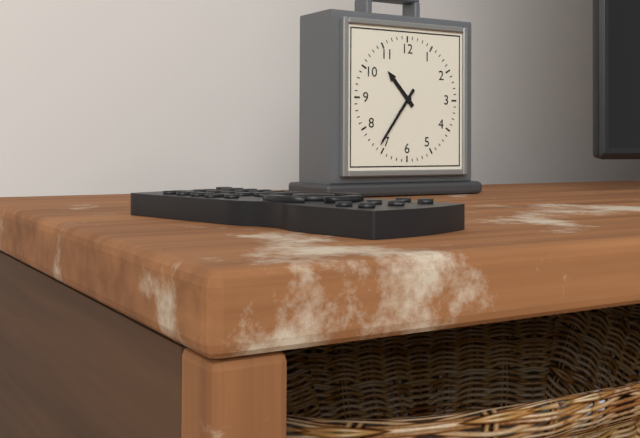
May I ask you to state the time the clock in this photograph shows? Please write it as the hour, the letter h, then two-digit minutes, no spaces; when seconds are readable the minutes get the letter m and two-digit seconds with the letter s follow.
10h36
